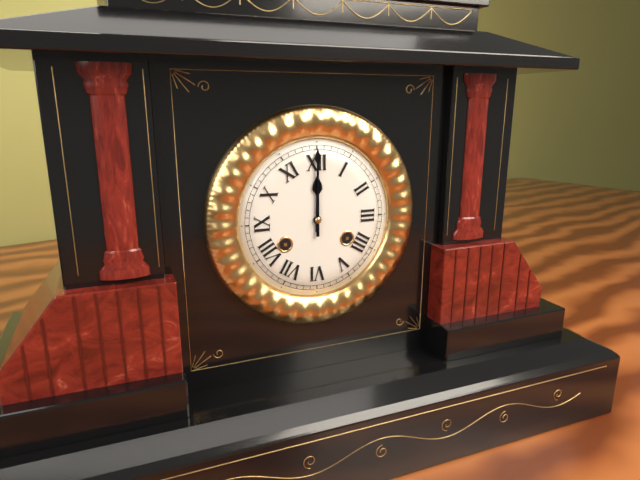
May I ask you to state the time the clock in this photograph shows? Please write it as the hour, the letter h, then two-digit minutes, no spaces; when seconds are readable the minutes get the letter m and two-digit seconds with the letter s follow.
12h00
